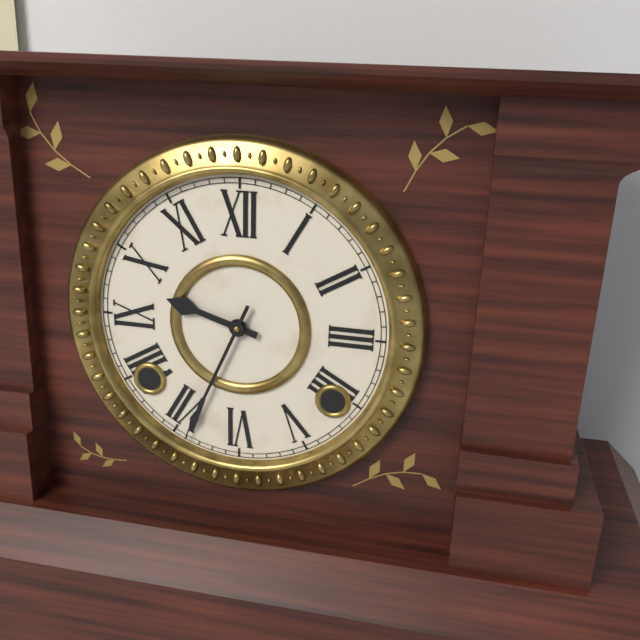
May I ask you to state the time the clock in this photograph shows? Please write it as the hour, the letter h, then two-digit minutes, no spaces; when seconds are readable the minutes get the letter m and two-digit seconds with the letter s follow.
9h34
